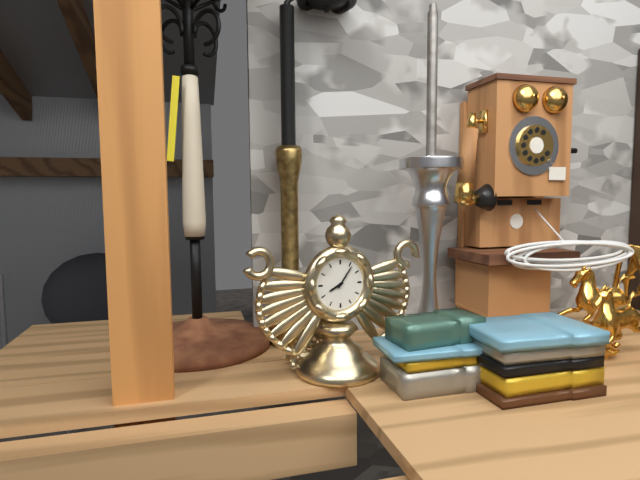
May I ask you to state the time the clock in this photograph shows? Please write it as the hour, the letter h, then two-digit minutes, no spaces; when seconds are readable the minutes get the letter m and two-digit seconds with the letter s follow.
8h06
